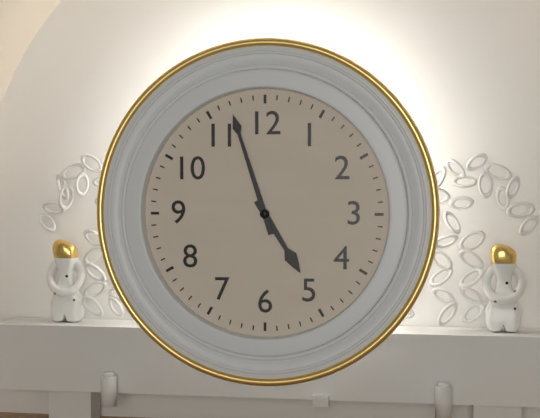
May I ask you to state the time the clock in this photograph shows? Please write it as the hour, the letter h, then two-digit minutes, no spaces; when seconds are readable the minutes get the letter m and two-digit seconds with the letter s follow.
4h57
